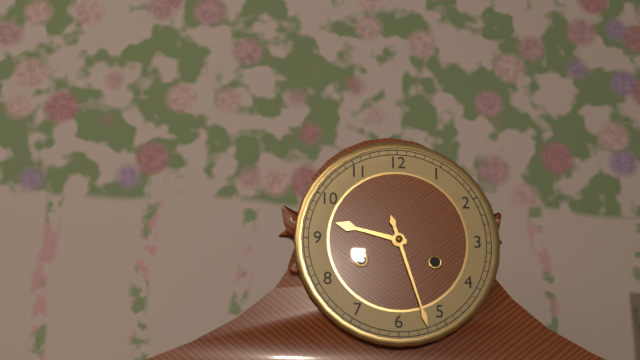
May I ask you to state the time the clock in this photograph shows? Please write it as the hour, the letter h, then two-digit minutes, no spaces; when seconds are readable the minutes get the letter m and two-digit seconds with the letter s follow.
9h27
